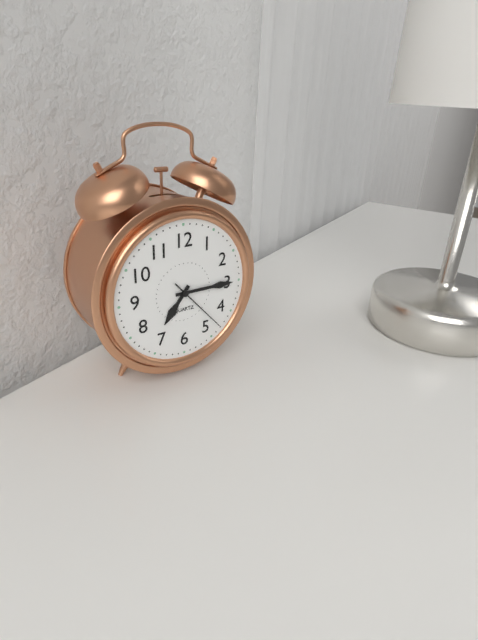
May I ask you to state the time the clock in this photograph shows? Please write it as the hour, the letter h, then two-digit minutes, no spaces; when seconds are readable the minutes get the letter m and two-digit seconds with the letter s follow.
7h15m23s
